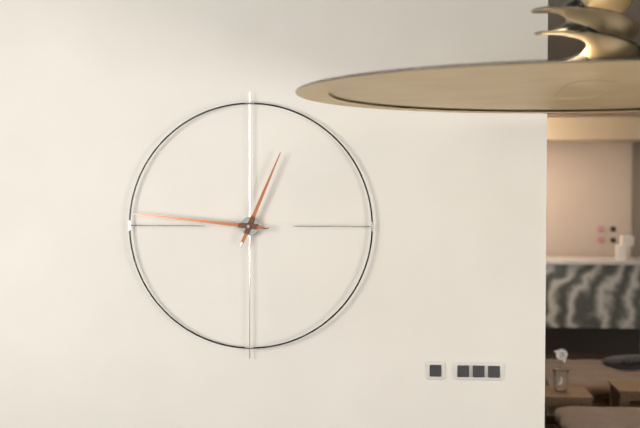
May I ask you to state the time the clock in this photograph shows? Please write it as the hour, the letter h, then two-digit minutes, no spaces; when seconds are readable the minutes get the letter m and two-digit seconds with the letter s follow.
12h46
